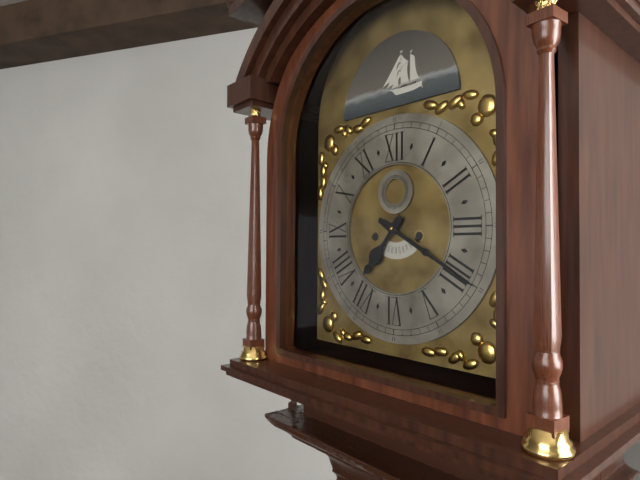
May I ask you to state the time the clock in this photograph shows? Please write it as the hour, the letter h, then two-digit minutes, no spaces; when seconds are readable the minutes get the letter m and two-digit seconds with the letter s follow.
7h20
